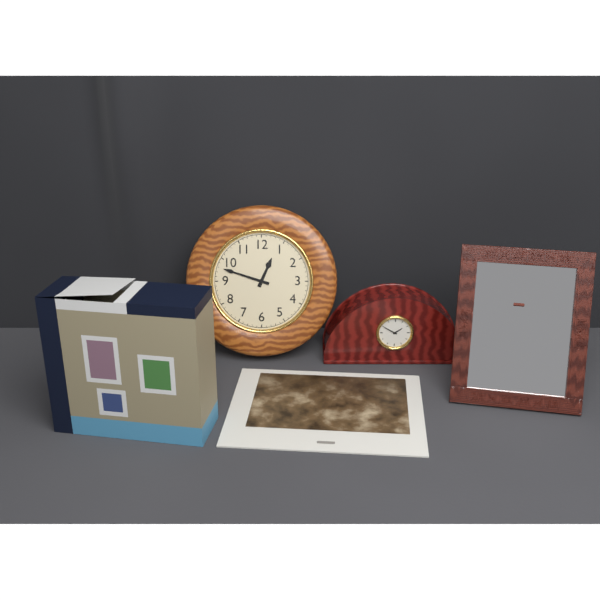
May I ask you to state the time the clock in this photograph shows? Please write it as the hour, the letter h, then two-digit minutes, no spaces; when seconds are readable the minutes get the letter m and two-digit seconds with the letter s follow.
12h48
